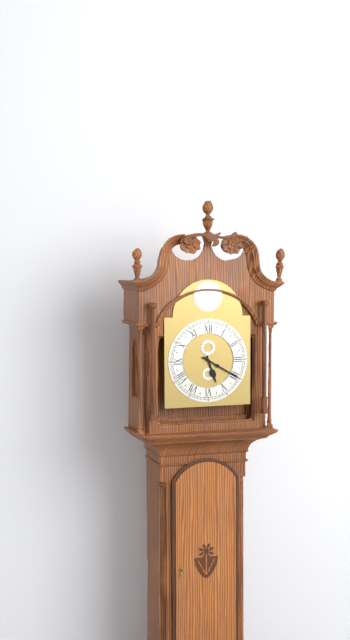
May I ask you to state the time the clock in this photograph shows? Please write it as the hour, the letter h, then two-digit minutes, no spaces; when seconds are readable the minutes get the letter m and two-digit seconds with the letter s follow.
5h20
